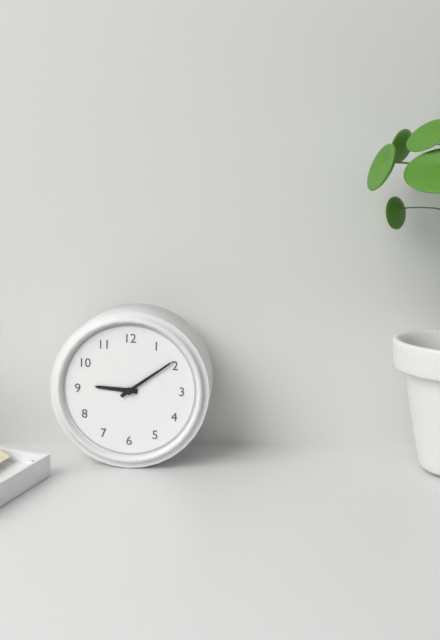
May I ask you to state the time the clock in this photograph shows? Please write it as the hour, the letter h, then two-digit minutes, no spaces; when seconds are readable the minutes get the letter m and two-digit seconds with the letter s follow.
9h09
